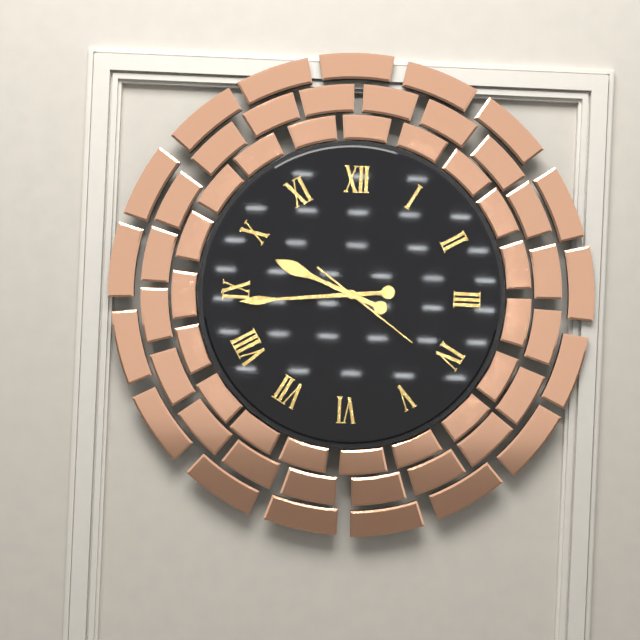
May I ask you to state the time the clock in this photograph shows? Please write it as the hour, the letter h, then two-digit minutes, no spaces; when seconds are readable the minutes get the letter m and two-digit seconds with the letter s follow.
9h44m21s
